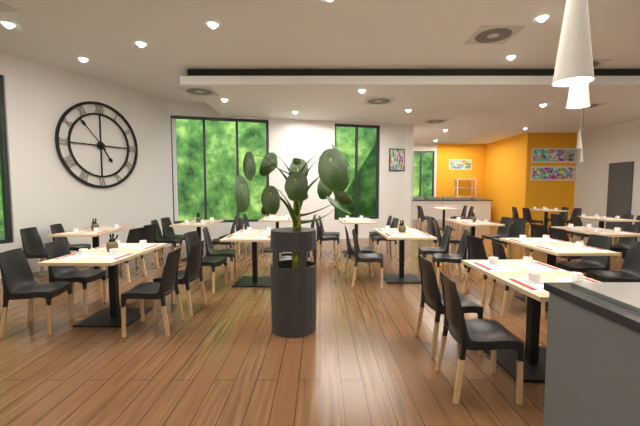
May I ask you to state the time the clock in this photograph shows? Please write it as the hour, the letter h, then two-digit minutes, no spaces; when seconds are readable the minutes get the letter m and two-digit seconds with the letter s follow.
4h53
